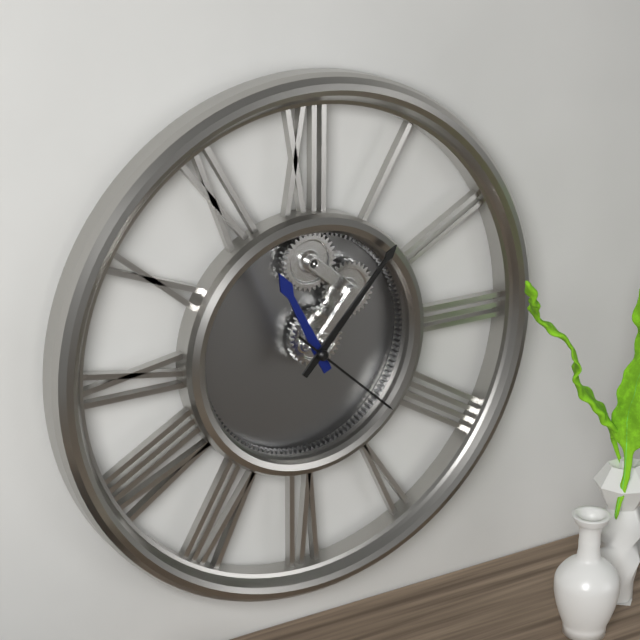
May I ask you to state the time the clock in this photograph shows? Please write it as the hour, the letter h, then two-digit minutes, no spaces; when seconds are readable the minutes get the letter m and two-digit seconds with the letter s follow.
11h07m22s
